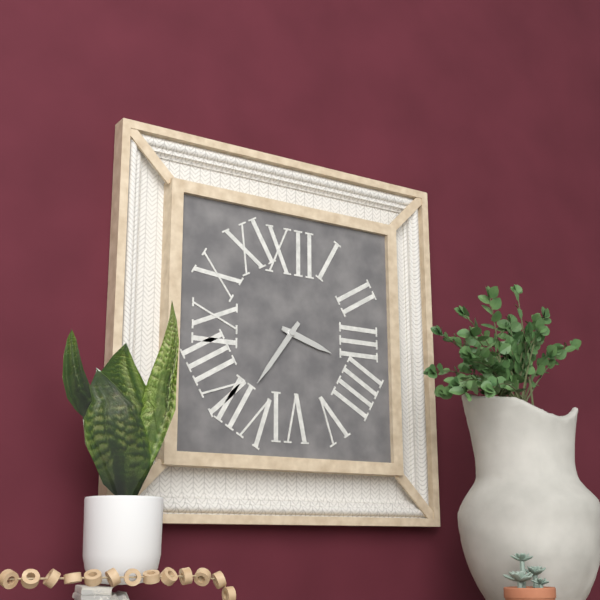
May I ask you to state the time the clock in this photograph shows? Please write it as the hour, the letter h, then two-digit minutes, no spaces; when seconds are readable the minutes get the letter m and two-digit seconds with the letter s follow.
3h36
